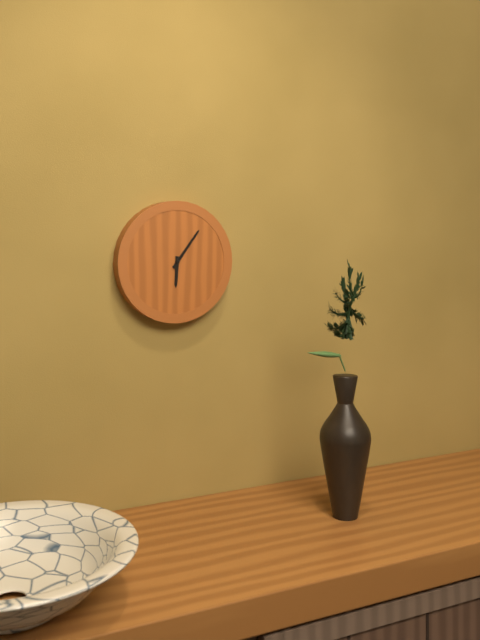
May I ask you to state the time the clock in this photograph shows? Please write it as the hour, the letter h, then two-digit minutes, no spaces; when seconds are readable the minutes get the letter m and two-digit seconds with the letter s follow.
6h06
